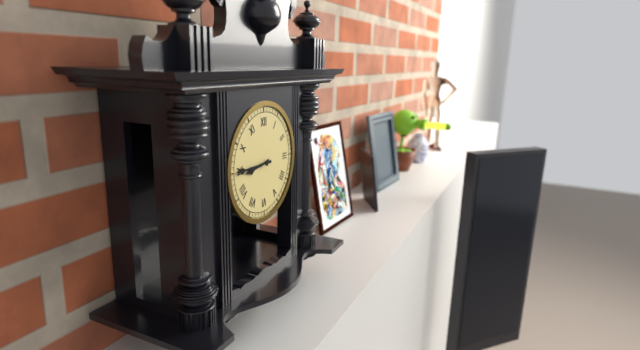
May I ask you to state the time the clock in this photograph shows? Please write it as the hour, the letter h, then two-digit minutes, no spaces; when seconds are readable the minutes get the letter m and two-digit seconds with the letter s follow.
8h45
